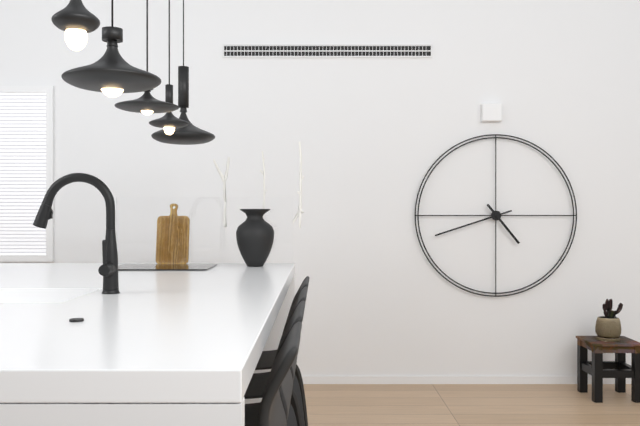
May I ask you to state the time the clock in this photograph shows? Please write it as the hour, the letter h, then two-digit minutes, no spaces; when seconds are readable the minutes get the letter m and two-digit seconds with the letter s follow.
4h42
